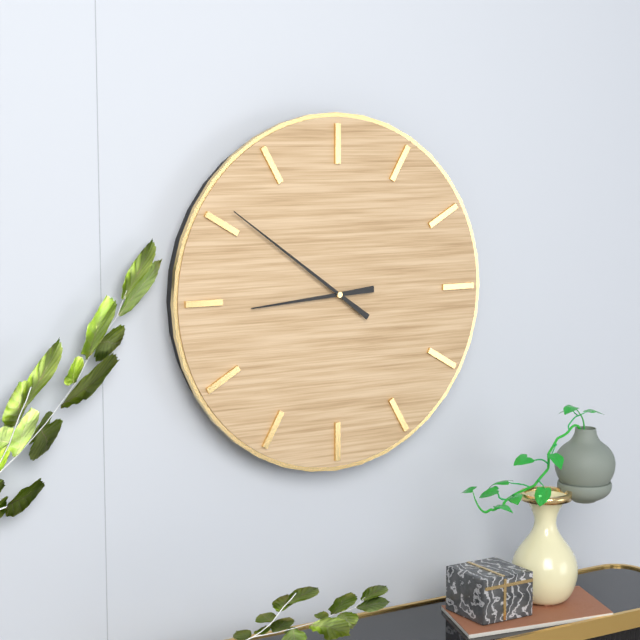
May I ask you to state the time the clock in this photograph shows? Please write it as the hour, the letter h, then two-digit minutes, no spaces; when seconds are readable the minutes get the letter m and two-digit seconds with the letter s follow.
8h51
